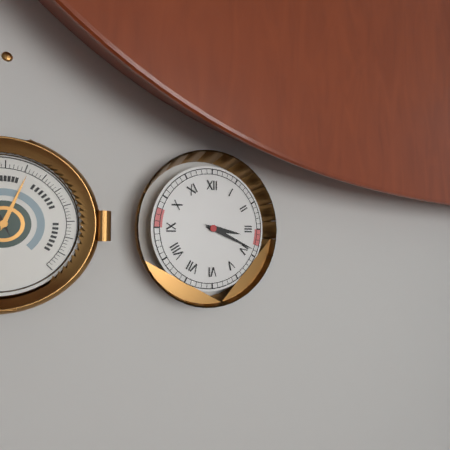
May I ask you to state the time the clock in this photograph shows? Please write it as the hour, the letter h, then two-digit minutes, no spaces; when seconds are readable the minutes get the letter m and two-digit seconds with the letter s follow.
3h19
